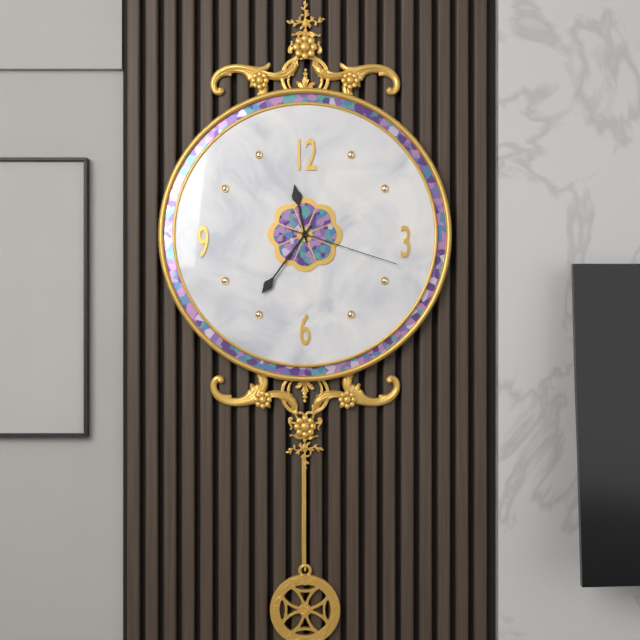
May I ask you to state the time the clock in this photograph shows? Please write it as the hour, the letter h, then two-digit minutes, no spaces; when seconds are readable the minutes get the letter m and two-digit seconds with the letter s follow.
11h36m18s
